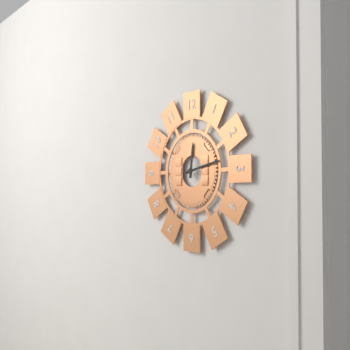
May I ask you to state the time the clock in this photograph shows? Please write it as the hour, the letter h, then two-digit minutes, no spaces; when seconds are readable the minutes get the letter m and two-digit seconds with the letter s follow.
12h13
